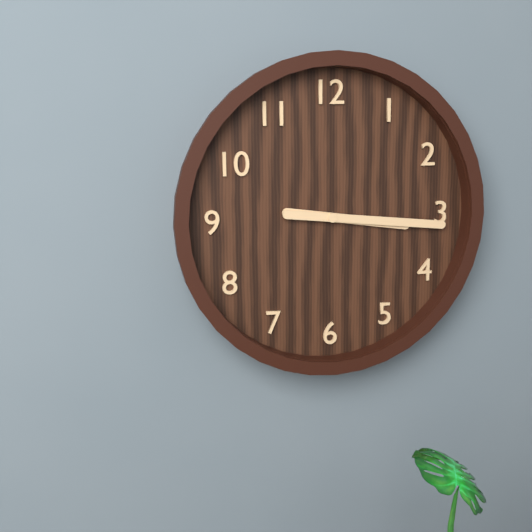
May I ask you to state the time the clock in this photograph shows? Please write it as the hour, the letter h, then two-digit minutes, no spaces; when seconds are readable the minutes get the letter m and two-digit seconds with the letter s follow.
3h16
